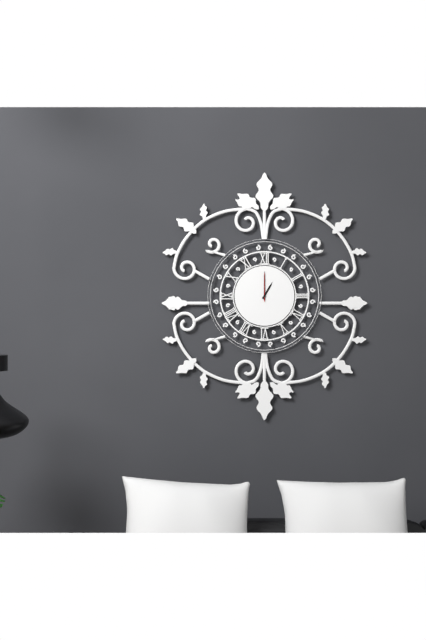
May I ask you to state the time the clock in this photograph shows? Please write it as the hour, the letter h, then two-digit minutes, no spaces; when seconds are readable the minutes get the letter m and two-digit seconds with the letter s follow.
1h00
